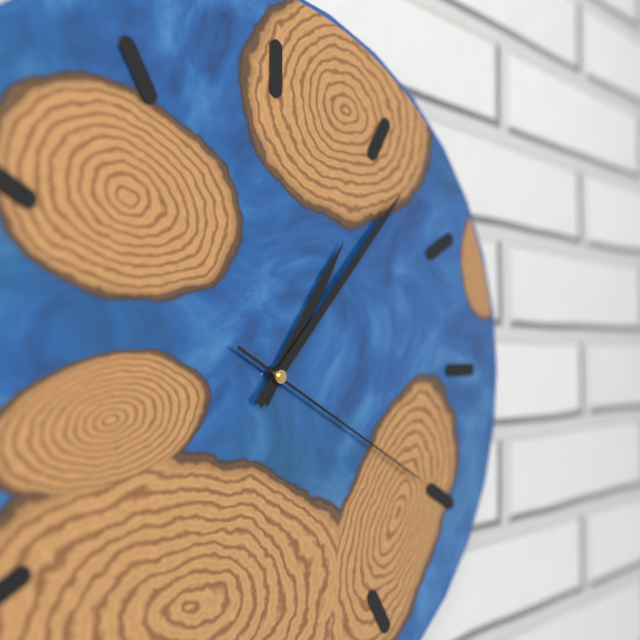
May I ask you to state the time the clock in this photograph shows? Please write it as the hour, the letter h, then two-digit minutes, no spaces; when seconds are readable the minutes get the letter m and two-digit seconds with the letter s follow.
1h07m20s
